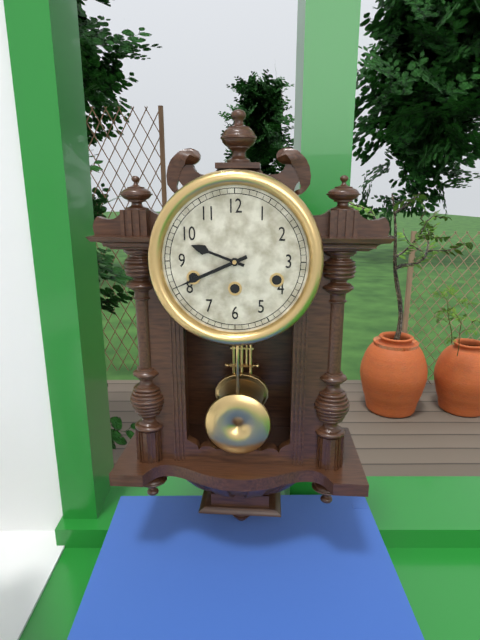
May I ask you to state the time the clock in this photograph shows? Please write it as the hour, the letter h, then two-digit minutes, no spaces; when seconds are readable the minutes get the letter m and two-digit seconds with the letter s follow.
9h41
